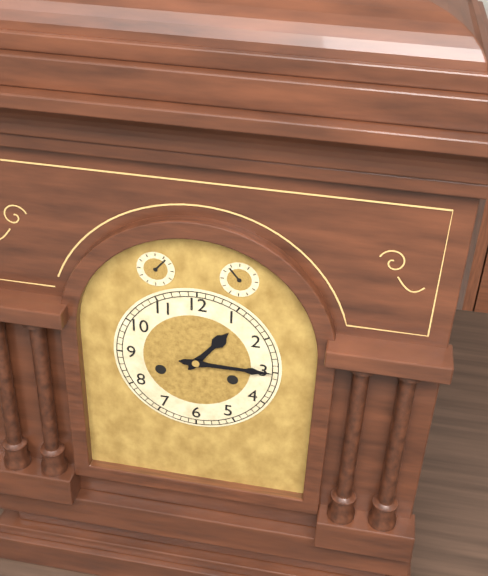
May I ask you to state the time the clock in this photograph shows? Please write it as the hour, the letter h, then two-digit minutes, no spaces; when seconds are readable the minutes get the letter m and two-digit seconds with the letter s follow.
1h15
